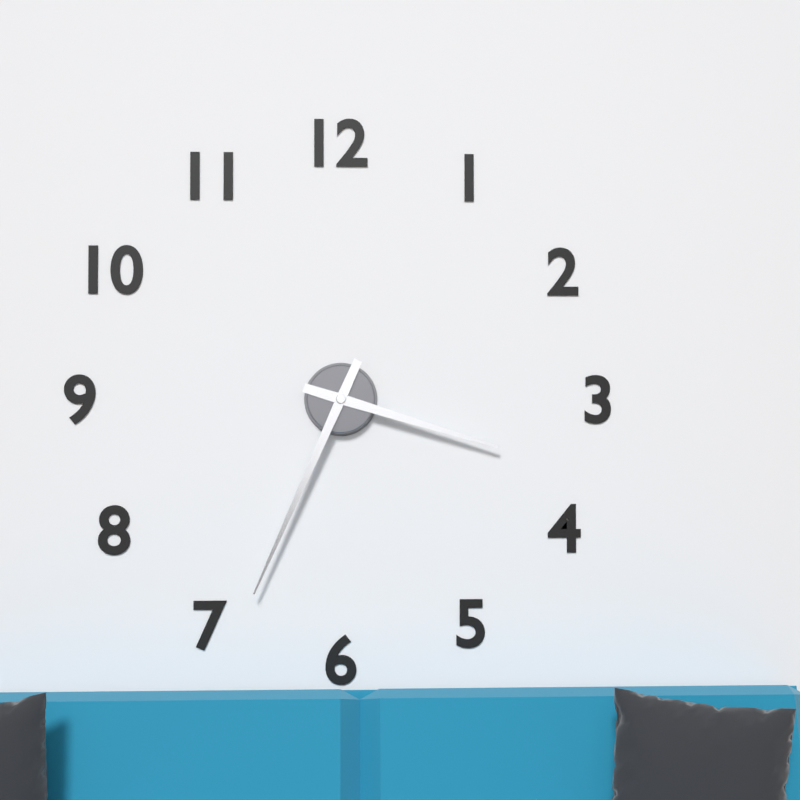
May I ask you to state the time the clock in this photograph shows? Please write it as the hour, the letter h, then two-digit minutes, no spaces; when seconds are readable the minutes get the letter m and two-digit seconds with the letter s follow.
3h34
